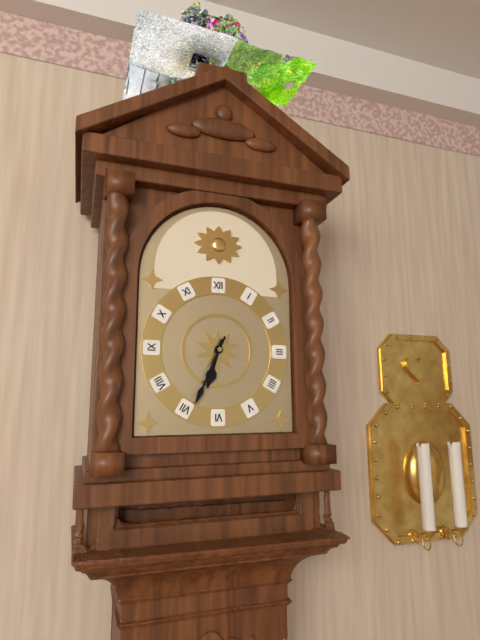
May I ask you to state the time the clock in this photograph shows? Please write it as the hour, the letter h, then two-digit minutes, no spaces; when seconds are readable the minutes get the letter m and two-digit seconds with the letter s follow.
6h34
